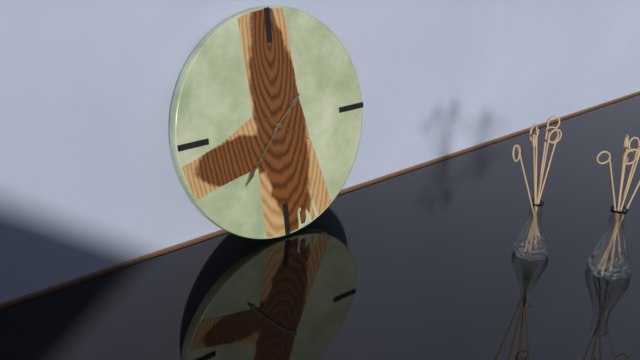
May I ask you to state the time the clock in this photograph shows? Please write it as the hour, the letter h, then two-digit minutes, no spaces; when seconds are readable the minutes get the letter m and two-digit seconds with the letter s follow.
1h37m20s
